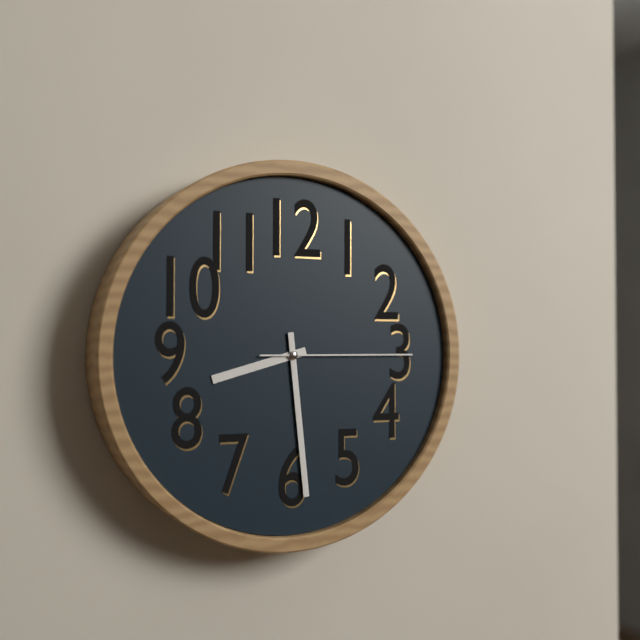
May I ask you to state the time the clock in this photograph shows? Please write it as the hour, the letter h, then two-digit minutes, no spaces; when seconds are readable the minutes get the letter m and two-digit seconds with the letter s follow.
8h29m15s
